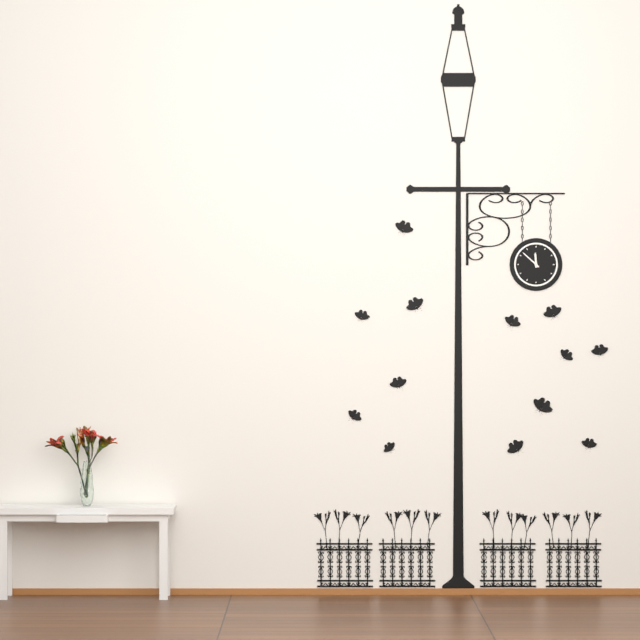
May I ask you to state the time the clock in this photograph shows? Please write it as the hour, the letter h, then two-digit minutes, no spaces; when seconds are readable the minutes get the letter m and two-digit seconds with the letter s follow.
11h52
